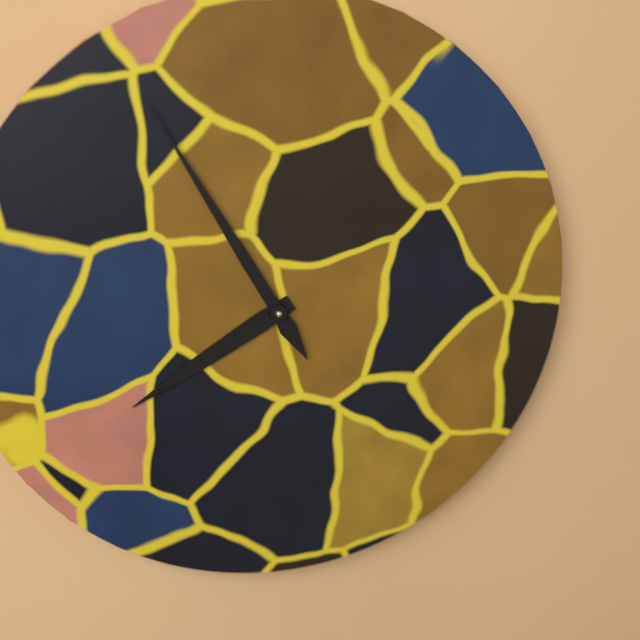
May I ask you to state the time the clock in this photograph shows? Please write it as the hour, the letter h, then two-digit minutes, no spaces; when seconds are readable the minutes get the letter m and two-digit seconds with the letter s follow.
7h55
